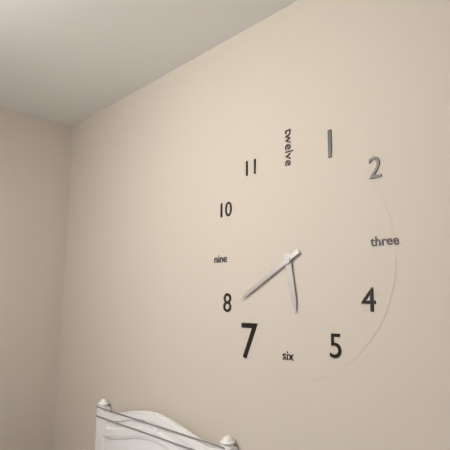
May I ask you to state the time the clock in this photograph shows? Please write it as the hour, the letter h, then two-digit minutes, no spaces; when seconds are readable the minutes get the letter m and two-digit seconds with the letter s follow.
5h40
